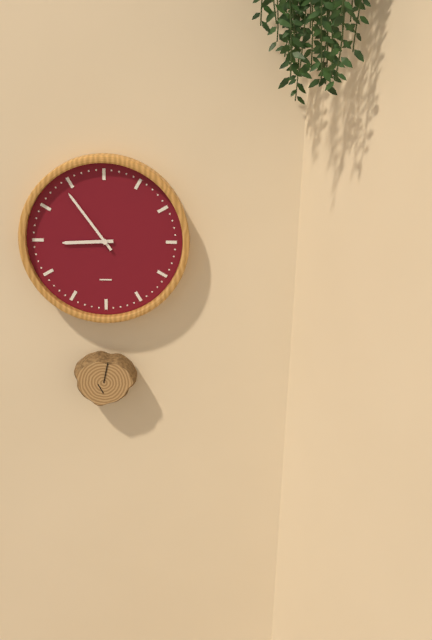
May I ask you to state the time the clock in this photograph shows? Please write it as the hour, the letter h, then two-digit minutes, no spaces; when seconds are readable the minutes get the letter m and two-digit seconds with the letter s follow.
8h54
